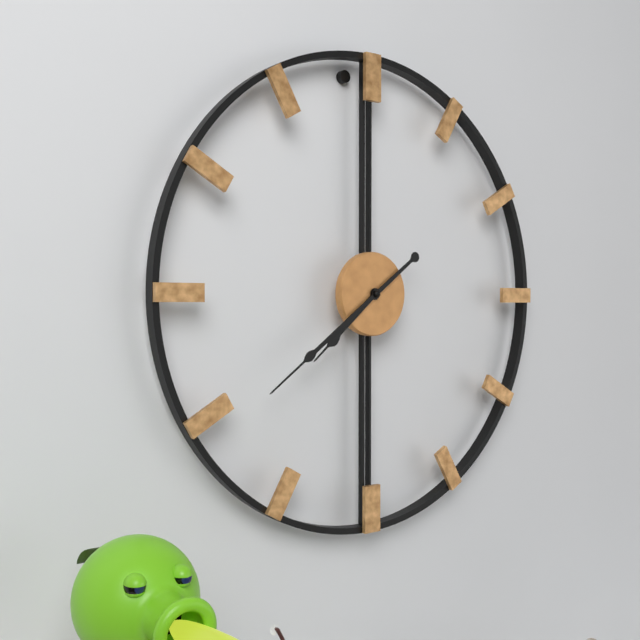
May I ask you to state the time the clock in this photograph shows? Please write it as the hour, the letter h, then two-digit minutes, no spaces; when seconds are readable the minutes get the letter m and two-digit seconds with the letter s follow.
7h39
